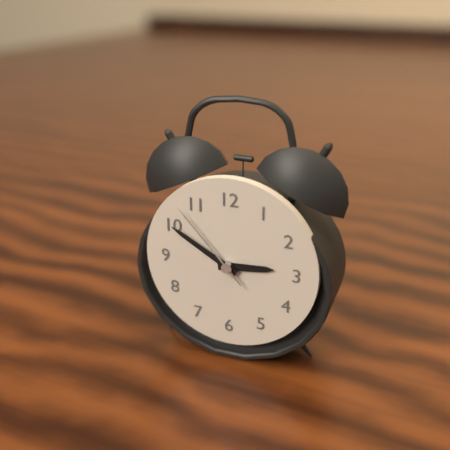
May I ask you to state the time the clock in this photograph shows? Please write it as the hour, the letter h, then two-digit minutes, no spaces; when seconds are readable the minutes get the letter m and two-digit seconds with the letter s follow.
2h50m53s
